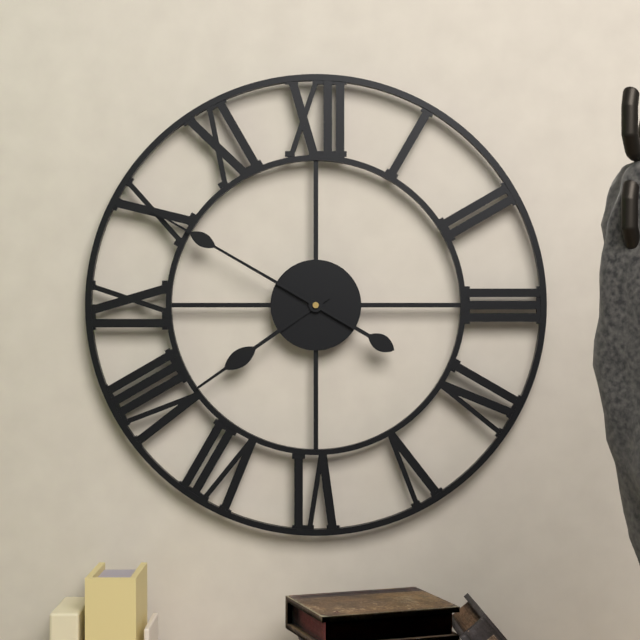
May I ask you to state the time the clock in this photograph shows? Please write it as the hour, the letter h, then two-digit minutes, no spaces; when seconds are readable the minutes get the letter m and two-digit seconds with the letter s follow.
7h50
